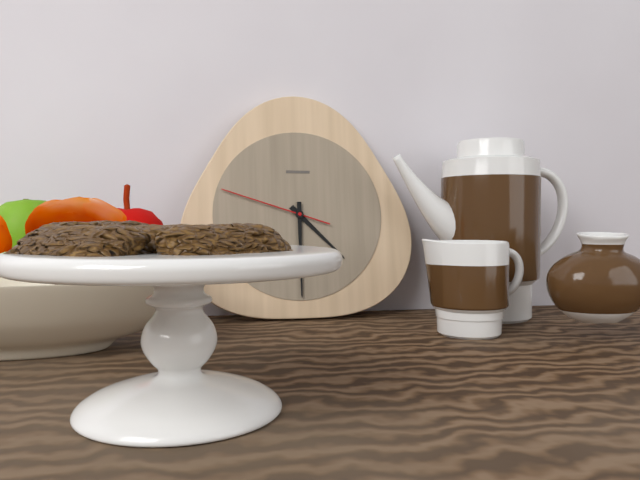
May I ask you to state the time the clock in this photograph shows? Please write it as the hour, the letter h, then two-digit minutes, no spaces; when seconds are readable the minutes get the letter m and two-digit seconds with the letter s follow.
4h30m48s
